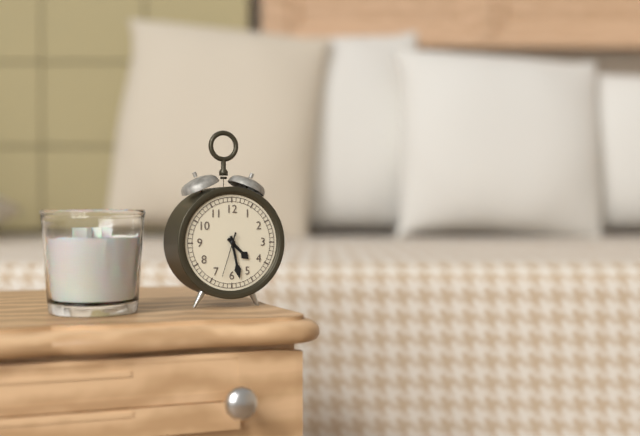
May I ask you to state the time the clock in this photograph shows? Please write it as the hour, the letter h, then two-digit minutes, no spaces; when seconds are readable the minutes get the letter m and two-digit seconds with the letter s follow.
4h28
